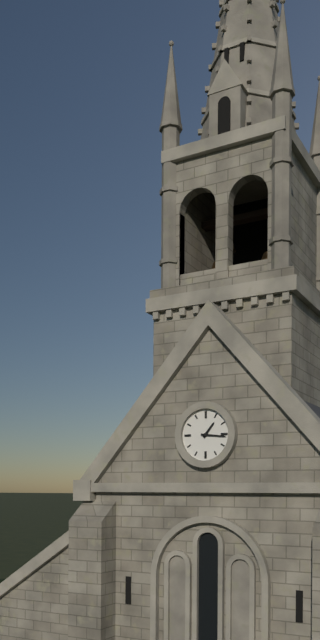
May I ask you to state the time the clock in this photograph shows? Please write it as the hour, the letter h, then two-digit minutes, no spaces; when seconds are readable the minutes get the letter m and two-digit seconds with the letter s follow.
1h16
